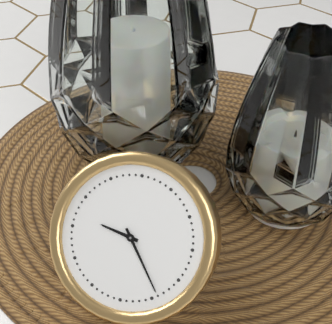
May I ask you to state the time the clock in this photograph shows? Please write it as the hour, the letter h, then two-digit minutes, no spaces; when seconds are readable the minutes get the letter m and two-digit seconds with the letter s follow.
9h24
